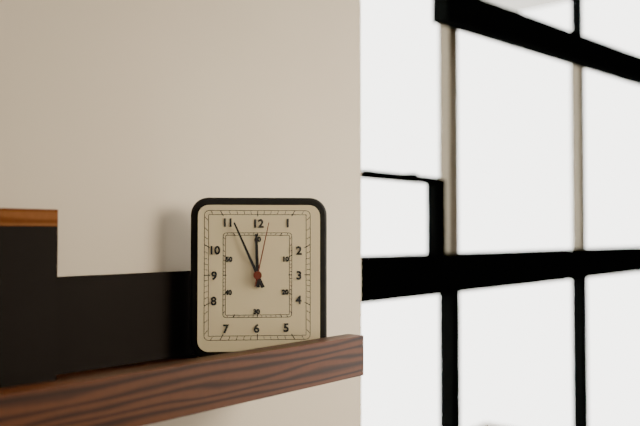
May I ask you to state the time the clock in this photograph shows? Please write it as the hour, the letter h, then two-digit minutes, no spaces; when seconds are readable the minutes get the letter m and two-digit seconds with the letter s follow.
11h56m02s
